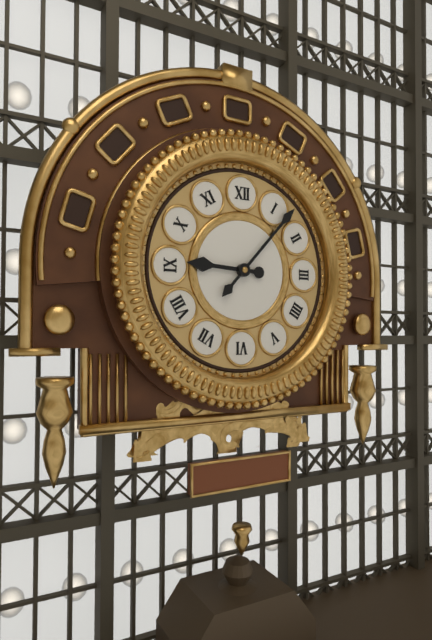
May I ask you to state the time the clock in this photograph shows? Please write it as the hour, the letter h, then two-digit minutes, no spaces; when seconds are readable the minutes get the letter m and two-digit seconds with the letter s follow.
9h07
